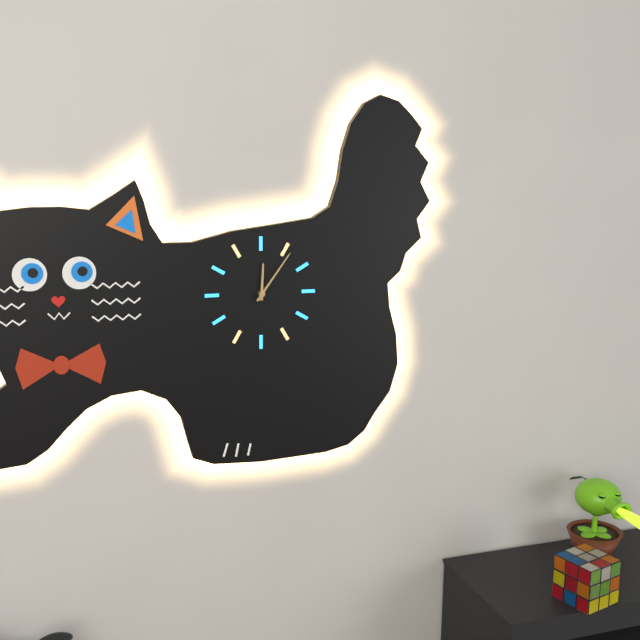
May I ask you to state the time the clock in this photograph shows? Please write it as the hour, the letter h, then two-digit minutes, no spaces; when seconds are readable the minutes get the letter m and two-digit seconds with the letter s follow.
12h06
